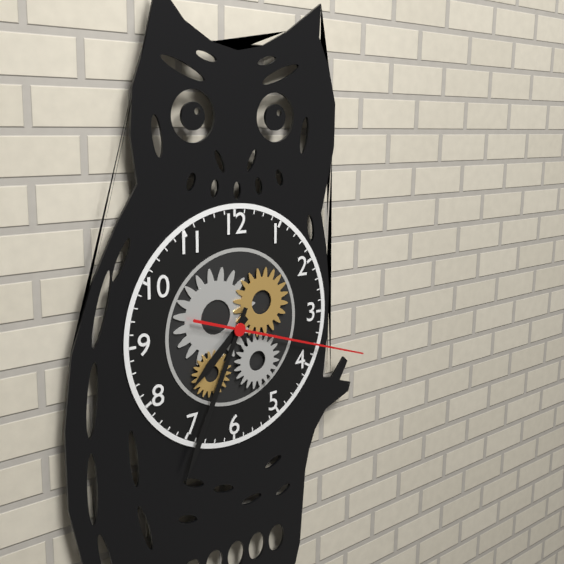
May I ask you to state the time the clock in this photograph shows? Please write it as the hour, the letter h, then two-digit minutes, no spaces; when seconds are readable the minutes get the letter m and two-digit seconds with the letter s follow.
7h34m18s
